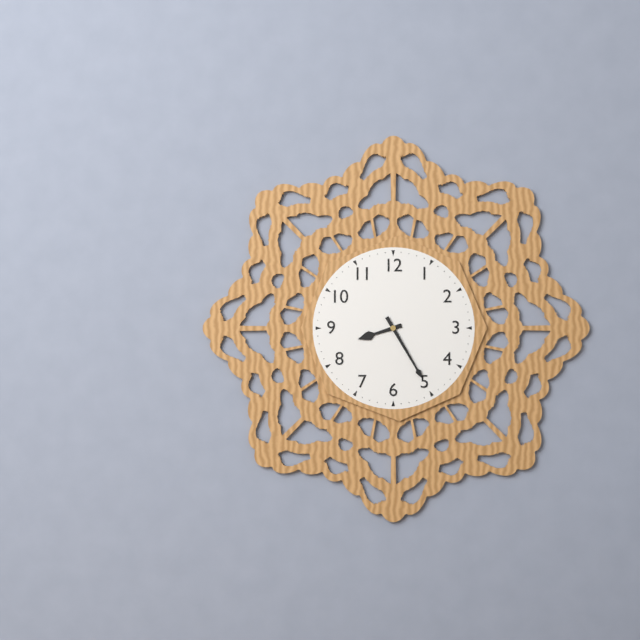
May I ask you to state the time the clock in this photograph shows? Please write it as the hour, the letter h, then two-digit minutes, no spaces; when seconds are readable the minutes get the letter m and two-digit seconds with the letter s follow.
8h25
